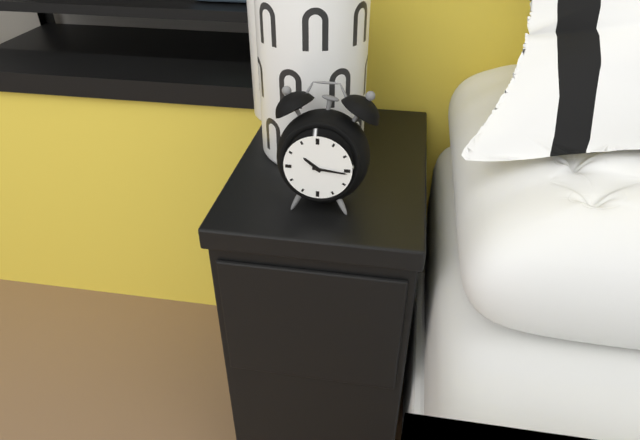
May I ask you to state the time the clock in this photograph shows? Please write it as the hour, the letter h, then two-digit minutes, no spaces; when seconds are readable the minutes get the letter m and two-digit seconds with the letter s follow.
10h16
